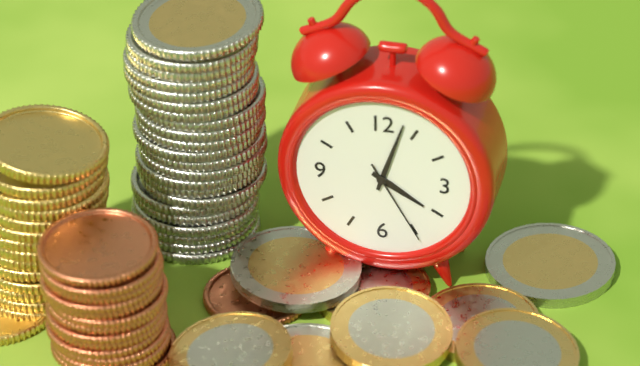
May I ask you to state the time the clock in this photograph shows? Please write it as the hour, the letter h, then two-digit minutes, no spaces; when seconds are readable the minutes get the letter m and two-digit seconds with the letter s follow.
4h03m25s
